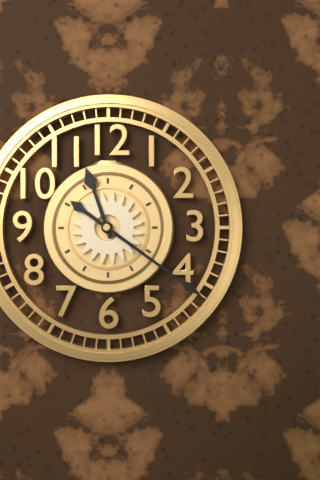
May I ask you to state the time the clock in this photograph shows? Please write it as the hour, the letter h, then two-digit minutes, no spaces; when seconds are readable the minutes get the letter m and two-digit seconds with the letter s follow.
11h21
